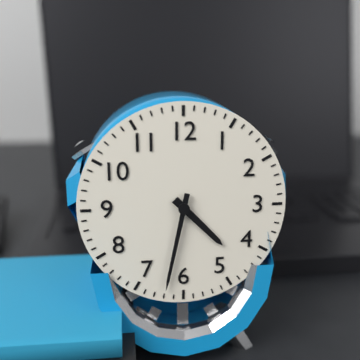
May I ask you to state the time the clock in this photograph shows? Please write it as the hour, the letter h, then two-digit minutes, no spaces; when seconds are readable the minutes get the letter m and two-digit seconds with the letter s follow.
4h32
